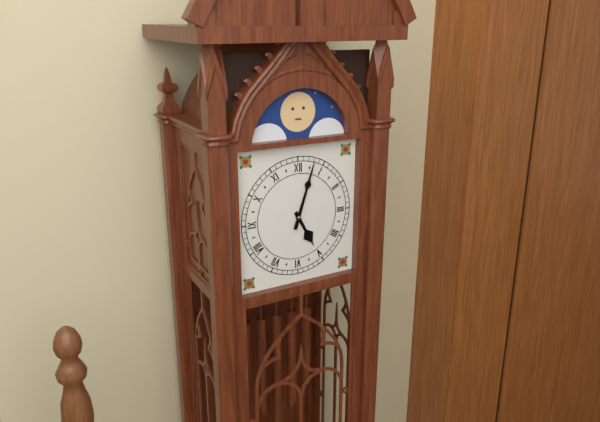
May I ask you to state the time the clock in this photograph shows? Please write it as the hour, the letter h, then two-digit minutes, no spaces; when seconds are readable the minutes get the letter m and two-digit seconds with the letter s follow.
5h03
